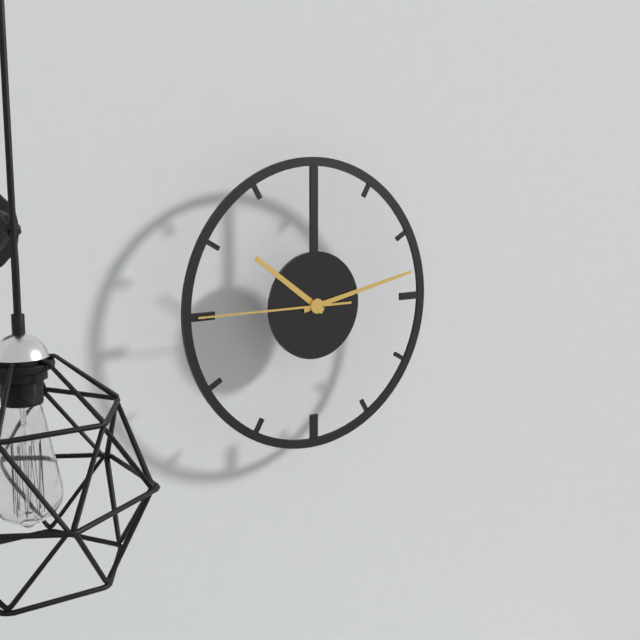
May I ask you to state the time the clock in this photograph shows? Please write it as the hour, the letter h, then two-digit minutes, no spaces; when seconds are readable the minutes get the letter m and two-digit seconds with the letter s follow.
10h13m45s
